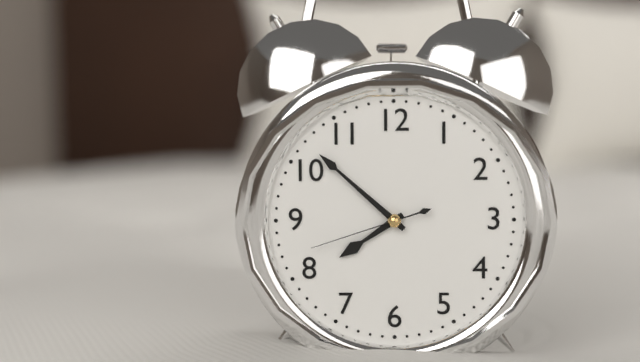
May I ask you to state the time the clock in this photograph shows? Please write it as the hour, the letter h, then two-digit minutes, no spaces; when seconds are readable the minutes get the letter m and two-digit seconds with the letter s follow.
7h52m42s
